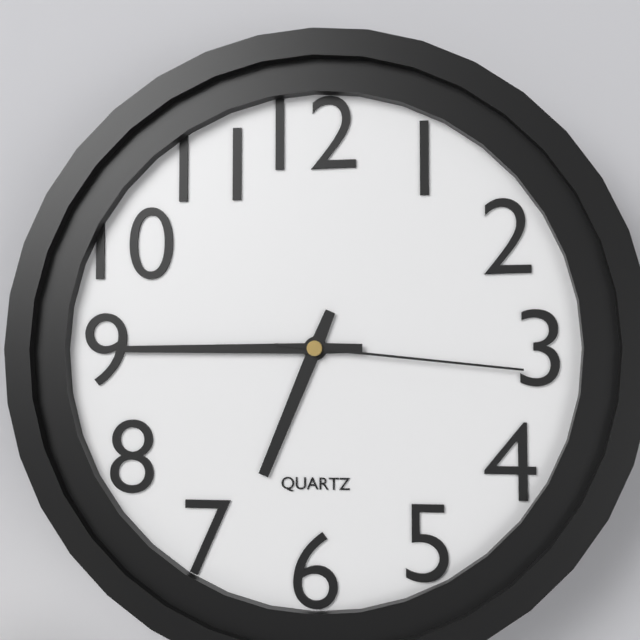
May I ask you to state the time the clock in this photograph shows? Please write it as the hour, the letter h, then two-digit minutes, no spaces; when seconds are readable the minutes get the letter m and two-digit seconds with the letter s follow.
6h45m16s
